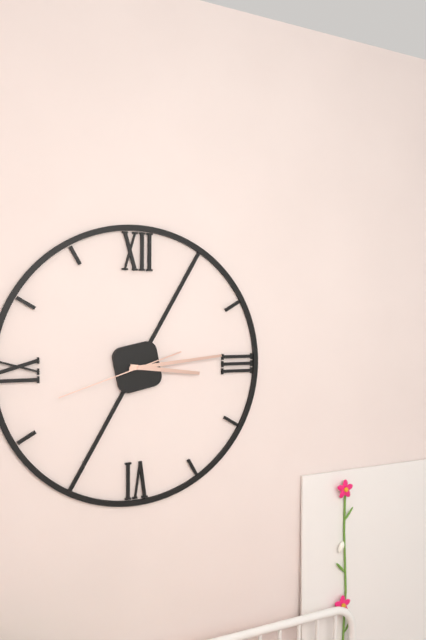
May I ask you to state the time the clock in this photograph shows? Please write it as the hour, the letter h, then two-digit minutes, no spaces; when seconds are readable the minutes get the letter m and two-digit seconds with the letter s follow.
3h14m42s
